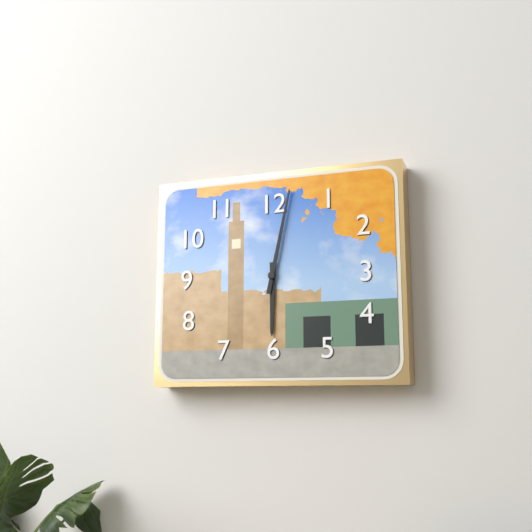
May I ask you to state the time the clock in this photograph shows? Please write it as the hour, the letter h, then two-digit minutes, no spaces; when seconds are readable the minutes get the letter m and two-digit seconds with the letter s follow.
6h02
